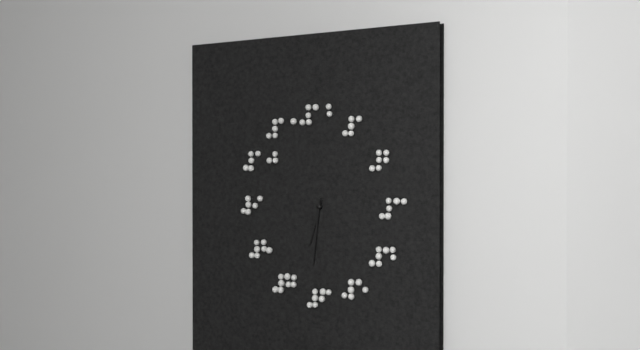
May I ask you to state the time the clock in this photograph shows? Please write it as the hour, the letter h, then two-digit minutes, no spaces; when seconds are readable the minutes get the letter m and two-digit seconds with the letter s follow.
6h31
